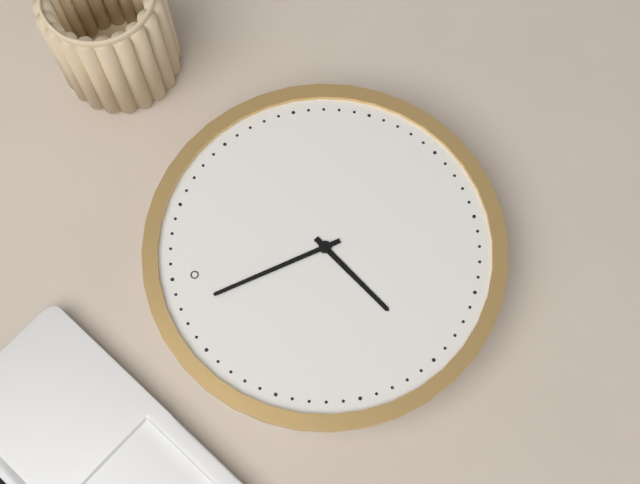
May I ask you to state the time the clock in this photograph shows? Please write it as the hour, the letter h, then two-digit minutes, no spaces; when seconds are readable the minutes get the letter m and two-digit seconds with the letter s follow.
7h58
